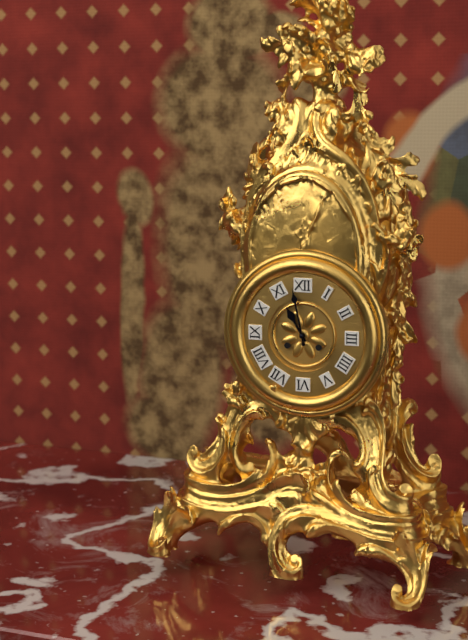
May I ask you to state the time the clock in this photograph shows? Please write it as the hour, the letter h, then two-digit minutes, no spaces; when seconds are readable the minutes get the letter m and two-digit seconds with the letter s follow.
10h58
